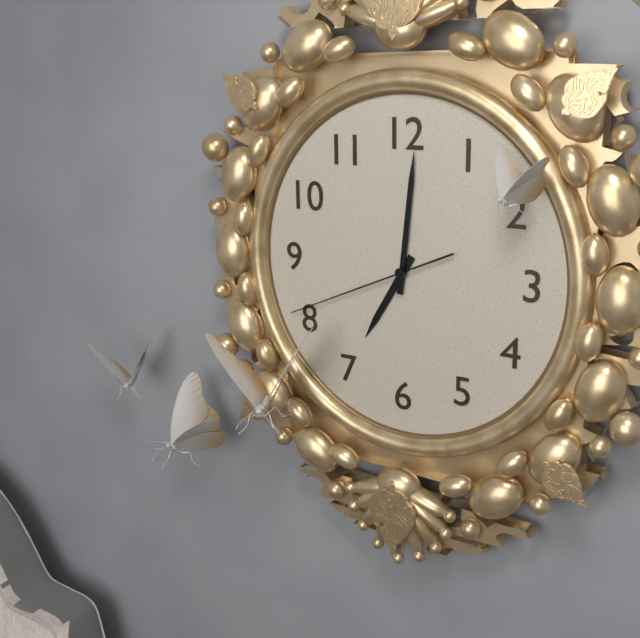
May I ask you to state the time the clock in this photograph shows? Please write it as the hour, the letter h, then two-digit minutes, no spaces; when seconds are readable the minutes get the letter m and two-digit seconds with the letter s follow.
7h01m41s
